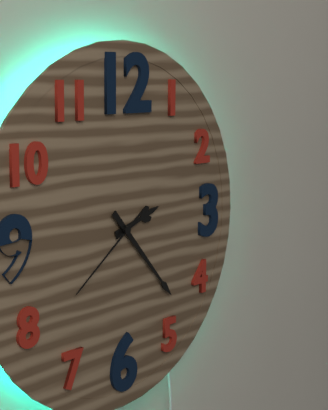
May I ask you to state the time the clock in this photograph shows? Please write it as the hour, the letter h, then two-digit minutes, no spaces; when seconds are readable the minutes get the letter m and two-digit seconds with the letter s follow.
2h23m39s
